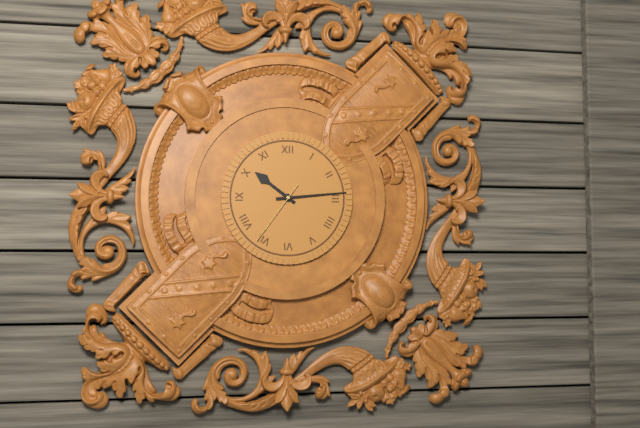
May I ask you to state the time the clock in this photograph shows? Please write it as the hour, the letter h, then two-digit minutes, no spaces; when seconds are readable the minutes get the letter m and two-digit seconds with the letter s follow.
10h14m36s
